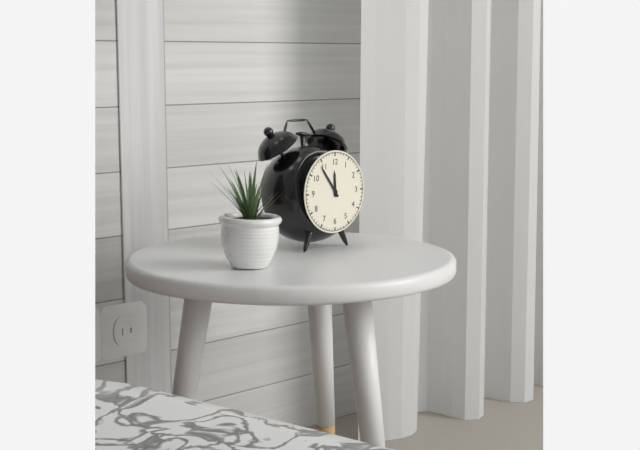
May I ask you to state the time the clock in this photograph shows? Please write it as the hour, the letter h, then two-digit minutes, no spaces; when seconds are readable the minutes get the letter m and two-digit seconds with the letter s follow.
11h54
